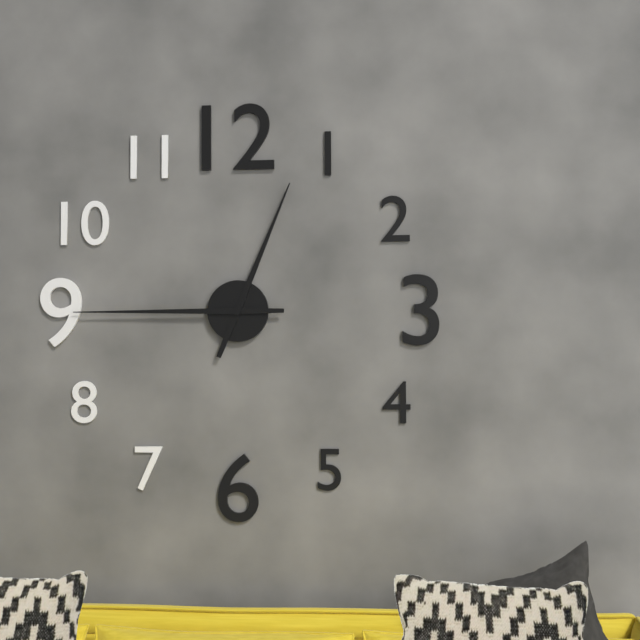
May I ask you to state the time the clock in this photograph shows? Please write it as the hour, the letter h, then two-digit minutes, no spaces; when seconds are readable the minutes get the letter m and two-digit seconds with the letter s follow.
12h45
